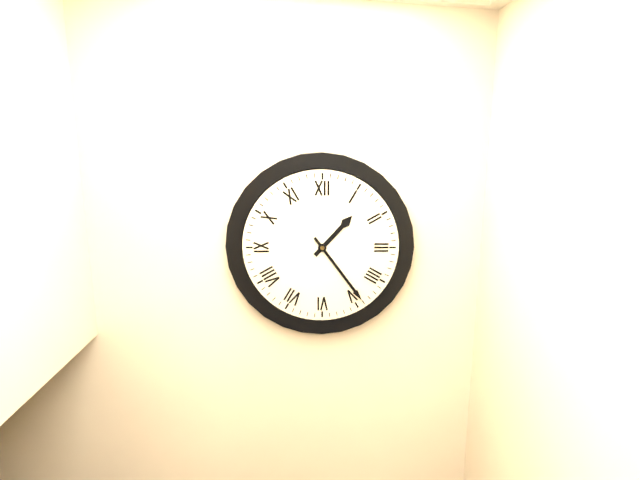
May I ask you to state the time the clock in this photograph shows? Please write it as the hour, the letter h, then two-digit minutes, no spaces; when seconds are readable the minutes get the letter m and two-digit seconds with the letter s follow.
1h24
